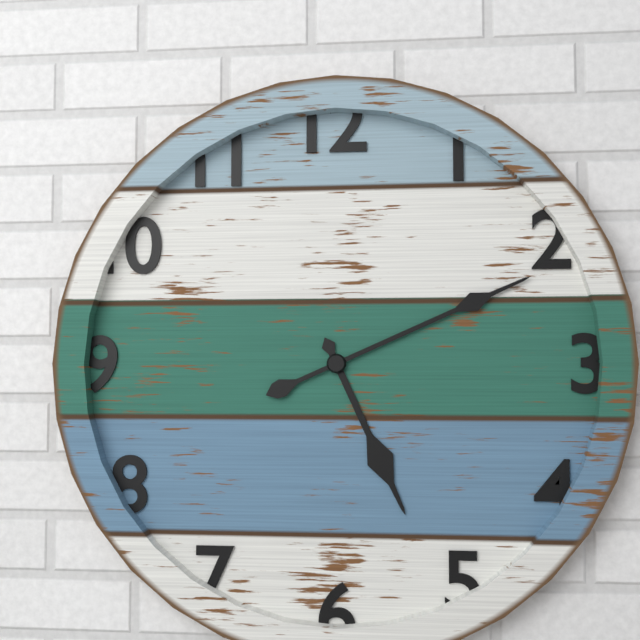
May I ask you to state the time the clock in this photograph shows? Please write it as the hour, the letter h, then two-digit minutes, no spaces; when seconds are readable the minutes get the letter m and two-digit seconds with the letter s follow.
5h11
